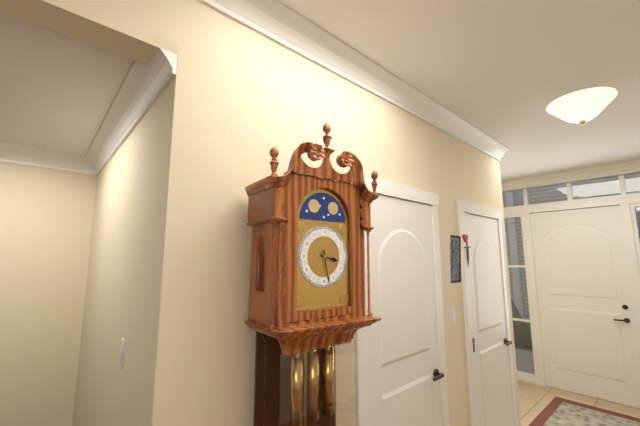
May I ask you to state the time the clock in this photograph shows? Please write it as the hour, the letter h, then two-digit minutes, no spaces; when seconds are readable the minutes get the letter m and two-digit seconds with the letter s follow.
3h28
